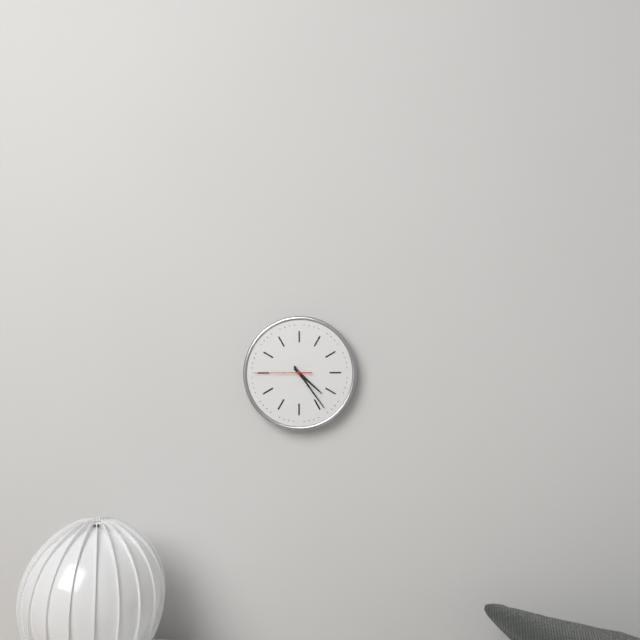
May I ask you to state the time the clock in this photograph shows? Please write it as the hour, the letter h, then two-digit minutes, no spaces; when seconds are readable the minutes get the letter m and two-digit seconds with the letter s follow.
4h24m45s
